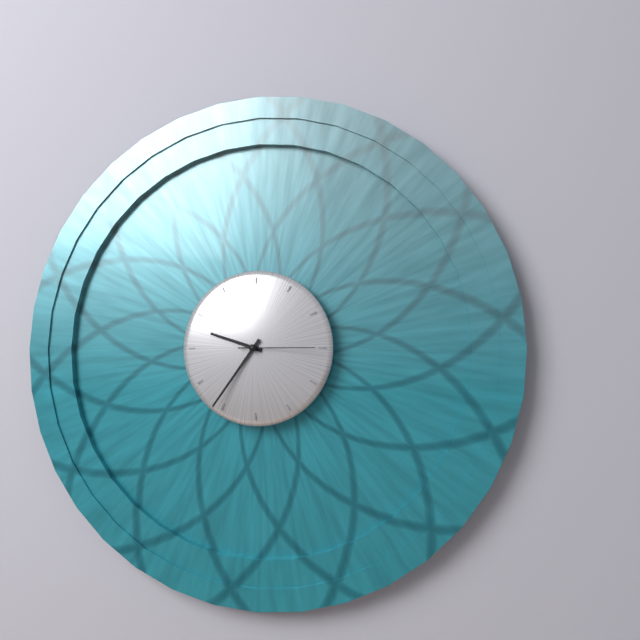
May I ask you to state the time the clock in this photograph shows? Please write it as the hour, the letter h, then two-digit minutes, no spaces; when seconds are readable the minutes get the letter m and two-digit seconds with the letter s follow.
9h36m15s
